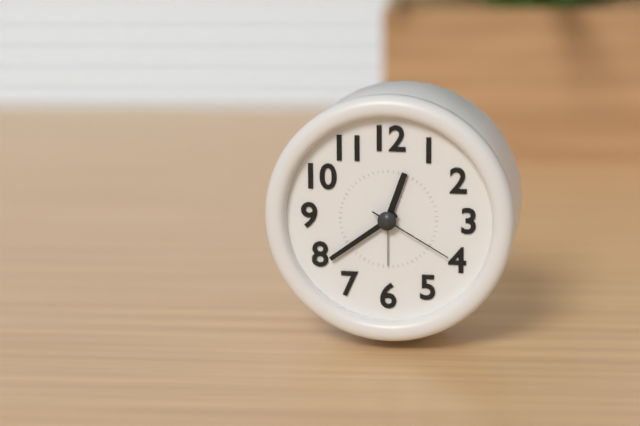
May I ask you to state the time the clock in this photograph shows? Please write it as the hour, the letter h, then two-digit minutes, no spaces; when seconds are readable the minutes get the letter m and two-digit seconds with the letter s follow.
12h39m20s
